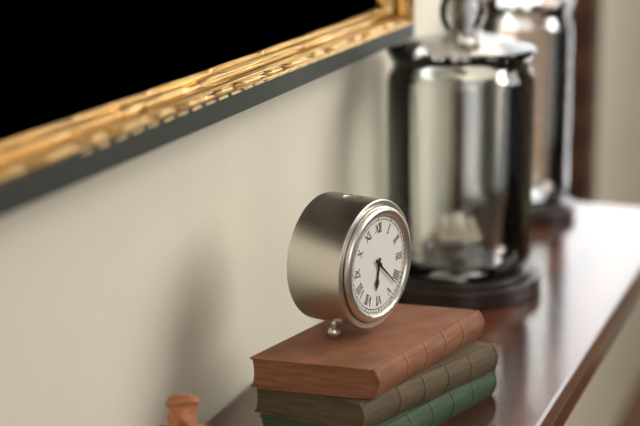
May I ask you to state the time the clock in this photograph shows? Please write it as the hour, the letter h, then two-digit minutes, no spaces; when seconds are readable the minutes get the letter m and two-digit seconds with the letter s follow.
6h22
